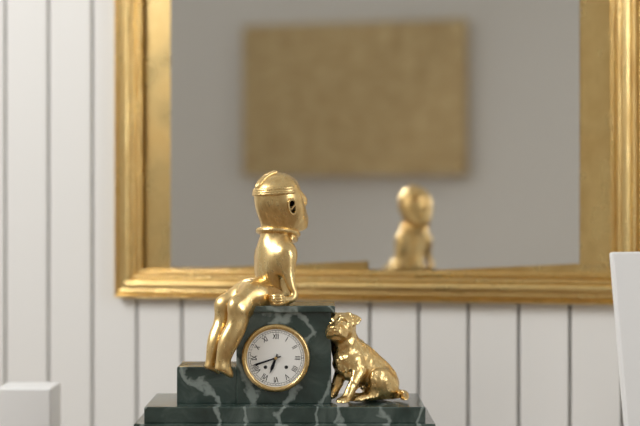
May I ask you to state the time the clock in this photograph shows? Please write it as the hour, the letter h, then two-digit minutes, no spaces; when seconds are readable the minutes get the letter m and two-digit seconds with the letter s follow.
6h42
